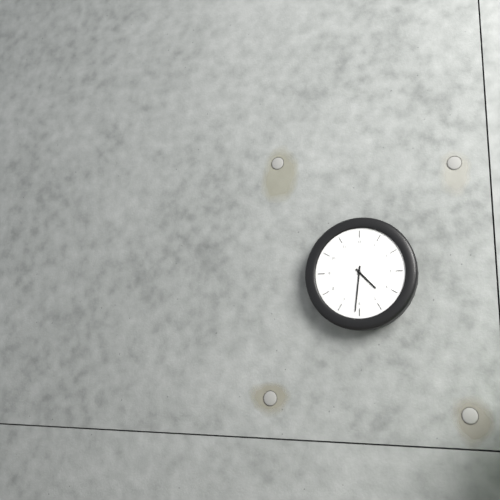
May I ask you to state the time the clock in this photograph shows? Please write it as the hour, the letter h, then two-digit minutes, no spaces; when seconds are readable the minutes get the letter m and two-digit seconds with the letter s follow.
4h31
